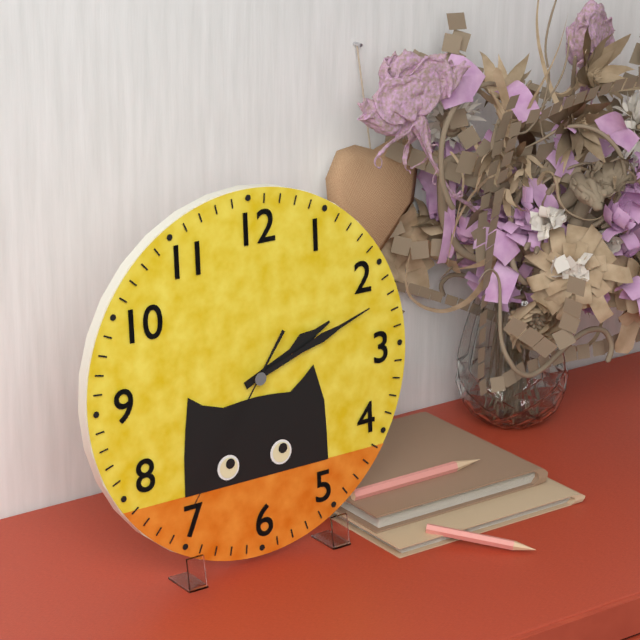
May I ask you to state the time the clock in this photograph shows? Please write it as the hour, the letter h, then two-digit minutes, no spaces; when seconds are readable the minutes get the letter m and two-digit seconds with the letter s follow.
2h12m36s
